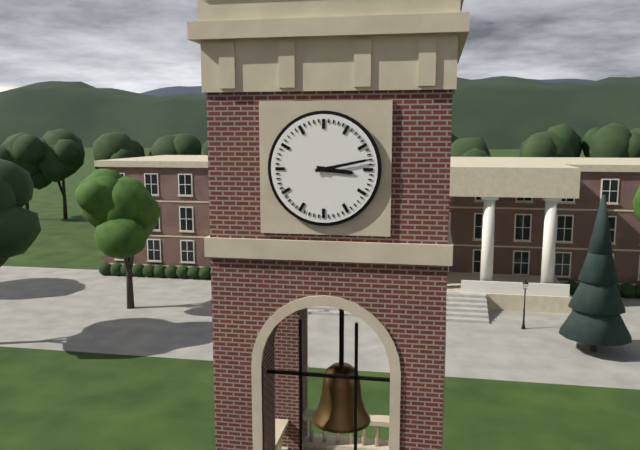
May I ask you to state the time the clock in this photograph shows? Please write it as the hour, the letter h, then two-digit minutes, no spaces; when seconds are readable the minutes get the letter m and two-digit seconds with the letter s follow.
3h13
